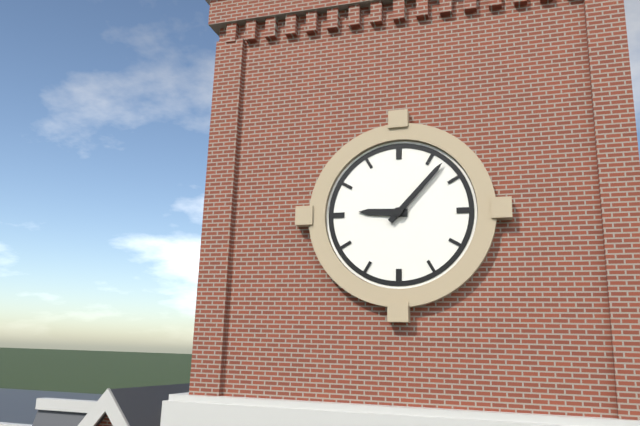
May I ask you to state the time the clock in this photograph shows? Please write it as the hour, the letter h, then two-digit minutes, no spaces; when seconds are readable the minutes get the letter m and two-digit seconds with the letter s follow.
9h07
